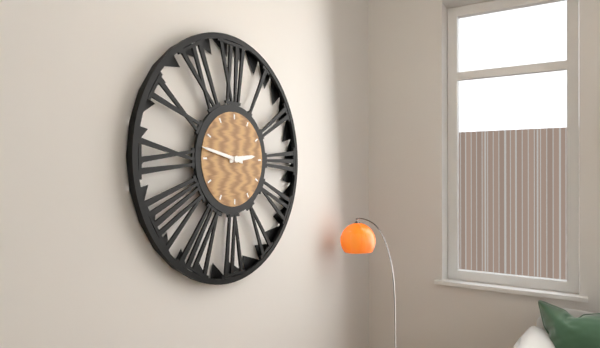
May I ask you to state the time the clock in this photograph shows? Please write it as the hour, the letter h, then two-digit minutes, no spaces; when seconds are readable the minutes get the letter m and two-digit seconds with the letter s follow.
2h47
